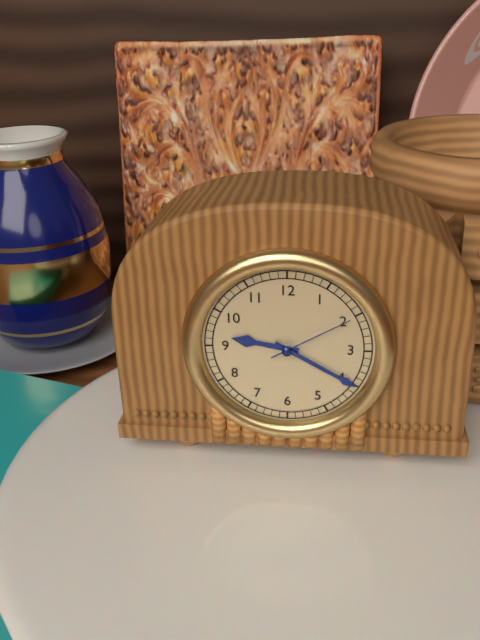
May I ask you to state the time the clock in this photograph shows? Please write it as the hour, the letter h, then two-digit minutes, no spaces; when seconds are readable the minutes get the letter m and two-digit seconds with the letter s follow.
9h20m10s
